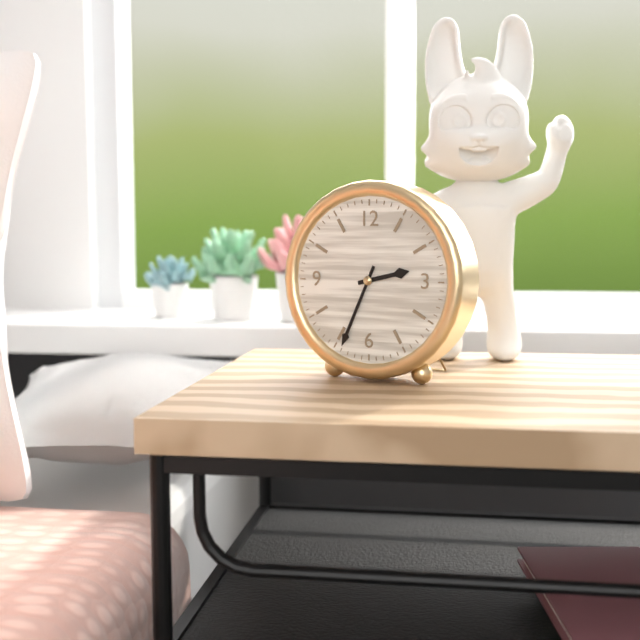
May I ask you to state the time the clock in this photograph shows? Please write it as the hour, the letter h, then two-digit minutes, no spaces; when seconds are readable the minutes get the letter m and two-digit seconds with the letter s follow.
2h34
